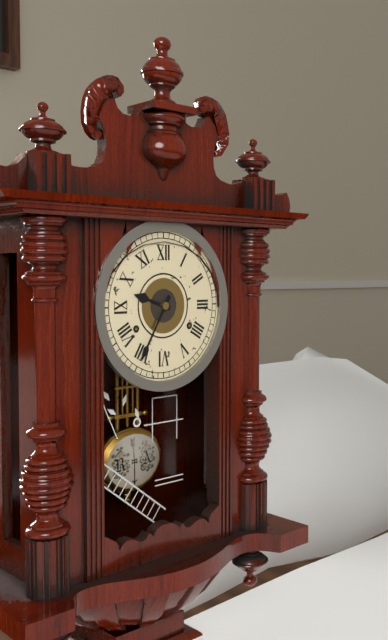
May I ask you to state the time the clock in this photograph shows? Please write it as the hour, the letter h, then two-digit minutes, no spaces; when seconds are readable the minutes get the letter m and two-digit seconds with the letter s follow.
9h35
